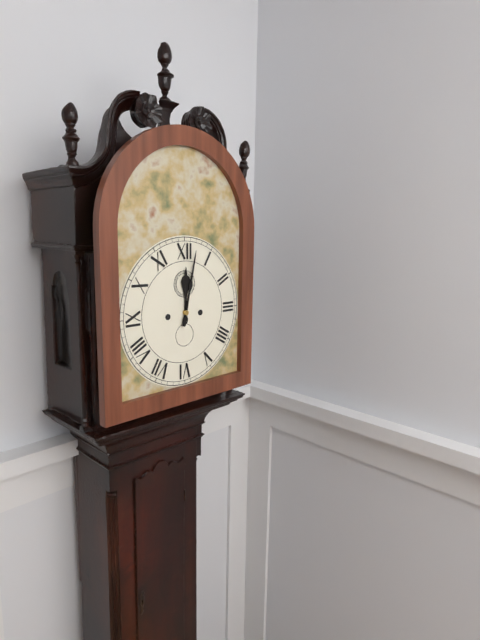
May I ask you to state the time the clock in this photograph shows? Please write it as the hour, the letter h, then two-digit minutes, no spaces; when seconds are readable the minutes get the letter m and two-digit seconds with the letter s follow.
12h02
